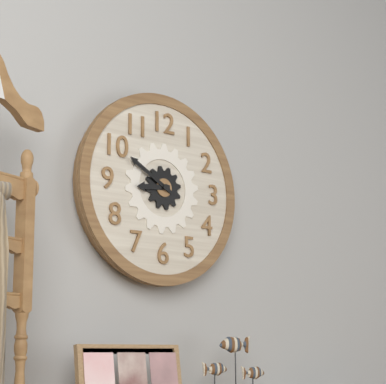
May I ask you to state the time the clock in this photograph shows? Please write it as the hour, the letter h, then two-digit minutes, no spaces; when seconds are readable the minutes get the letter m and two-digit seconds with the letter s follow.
8h50
